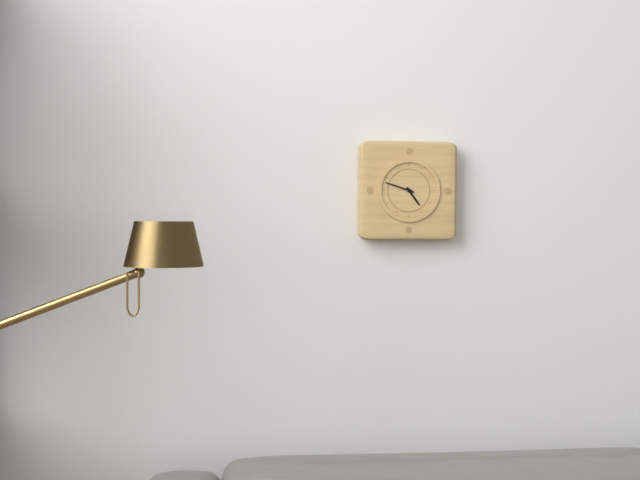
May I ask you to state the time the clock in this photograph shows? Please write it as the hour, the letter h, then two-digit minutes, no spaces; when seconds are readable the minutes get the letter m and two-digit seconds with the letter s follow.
4h48
